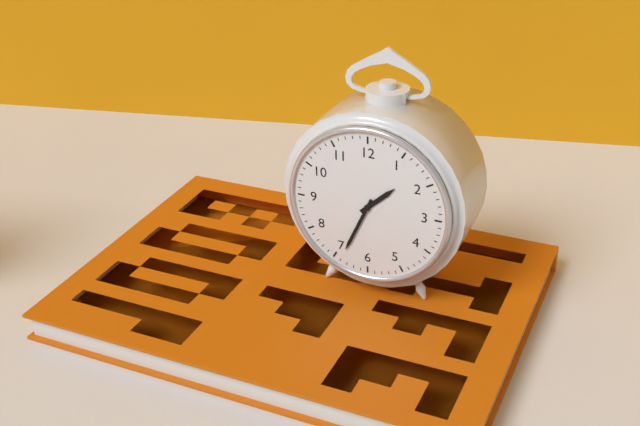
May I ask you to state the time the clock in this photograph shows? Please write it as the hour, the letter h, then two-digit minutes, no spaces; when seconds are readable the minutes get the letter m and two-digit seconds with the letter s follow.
1h34
